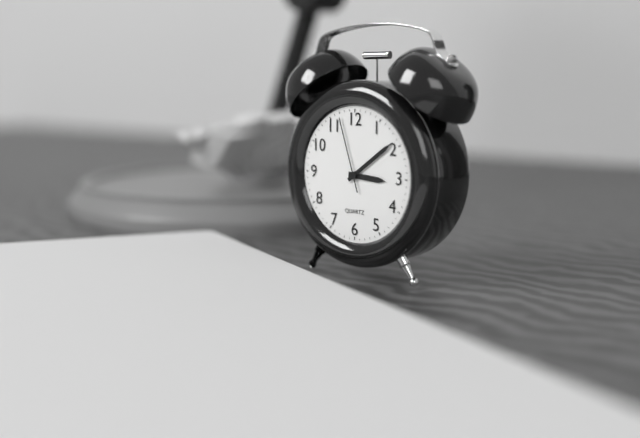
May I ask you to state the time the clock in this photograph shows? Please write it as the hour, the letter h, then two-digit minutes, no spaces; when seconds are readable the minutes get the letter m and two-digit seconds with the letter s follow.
3h09m57s
